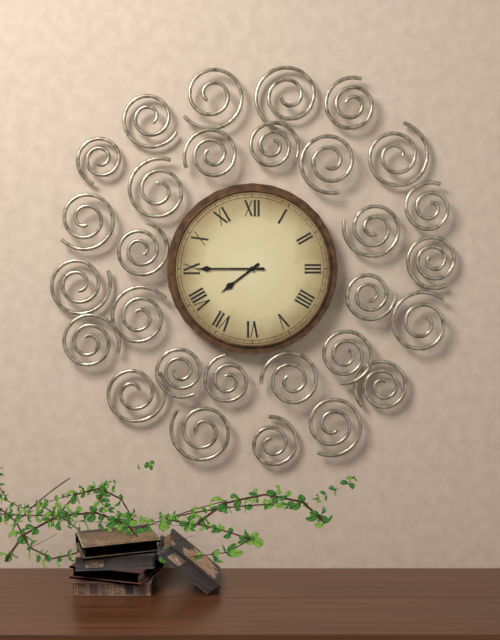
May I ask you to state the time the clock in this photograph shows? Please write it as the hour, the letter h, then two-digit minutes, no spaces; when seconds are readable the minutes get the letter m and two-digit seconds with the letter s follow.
7h45
